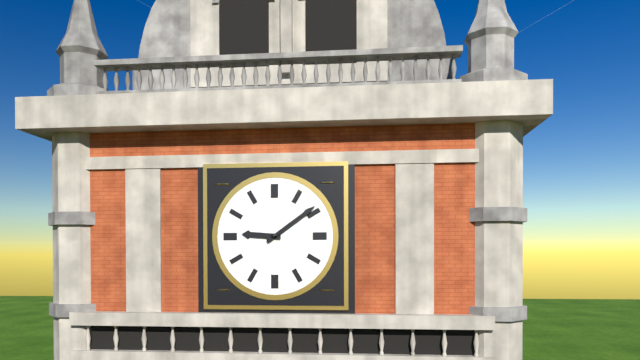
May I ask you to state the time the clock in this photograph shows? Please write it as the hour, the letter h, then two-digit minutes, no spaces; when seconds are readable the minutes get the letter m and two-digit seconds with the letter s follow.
9h09
